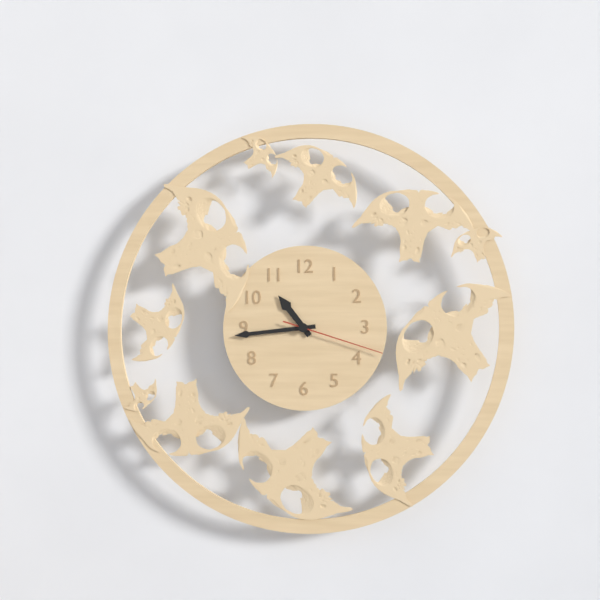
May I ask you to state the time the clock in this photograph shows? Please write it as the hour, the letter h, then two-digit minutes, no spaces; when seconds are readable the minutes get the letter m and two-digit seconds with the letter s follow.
10h44m18s
